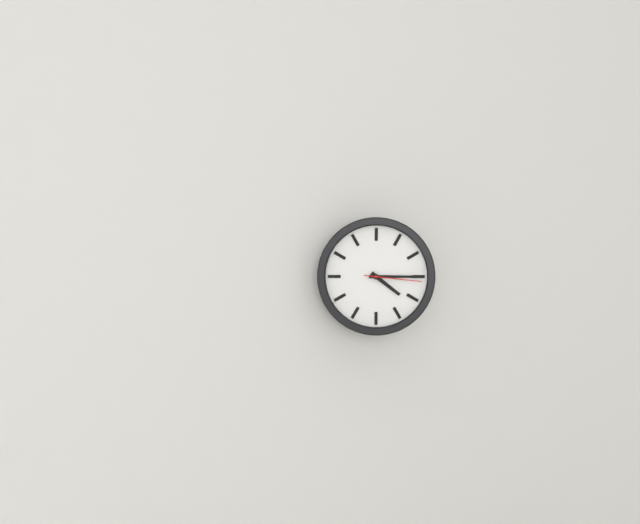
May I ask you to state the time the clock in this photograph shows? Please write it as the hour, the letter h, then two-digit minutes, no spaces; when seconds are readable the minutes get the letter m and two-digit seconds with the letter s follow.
4h15m16s
